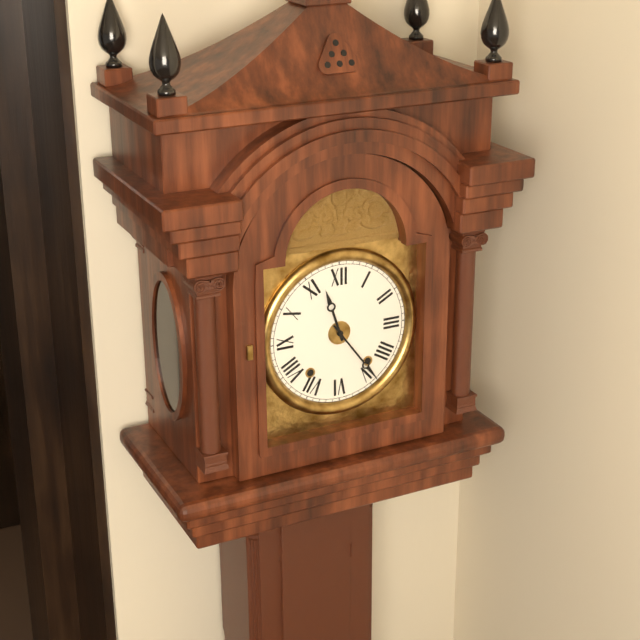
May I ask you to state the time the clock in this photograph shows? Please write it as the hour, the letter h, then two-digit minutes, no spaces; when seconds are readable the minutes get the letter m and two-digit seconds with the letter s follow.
11h24
